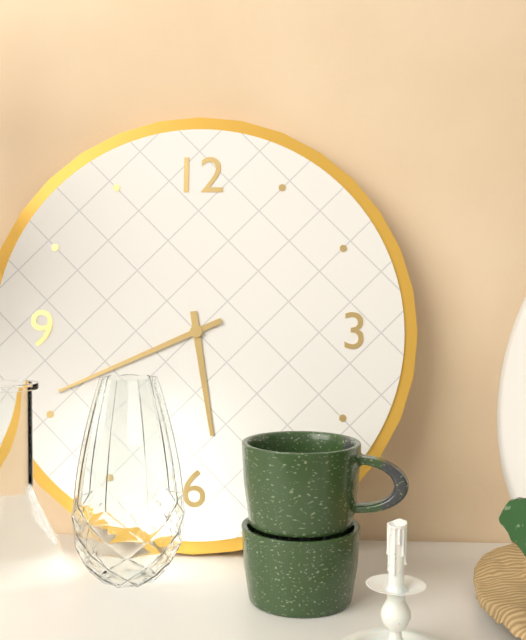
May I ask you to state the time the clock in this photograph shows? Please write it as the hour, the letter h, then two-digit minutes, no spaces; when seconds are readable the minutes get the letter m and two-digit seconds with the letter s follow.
5h41
